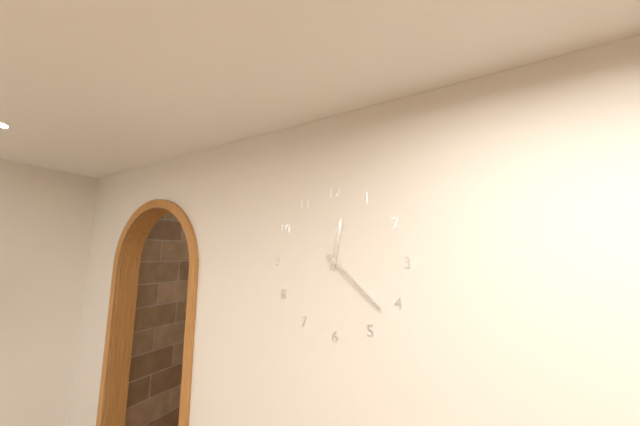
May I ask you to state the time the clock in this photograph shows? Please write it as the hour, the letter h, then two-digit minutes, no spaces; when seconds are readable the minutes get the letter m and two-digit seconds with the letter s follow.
12h22
